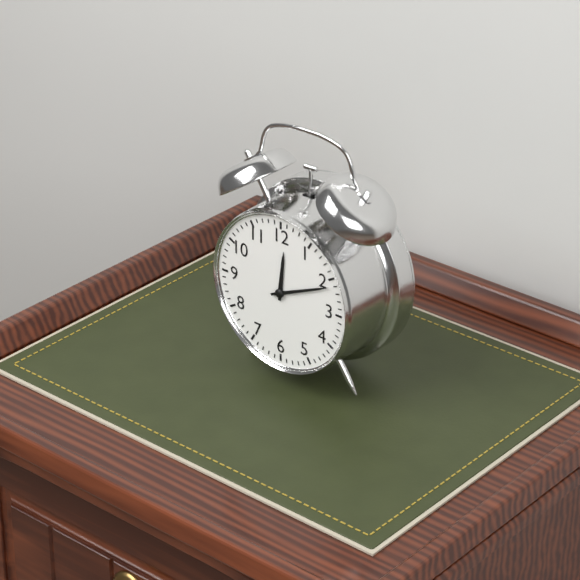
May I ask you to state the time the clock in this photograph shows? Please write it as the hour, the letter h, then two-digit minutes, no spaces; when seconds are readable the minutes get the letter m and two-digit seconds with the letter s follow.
12h11
